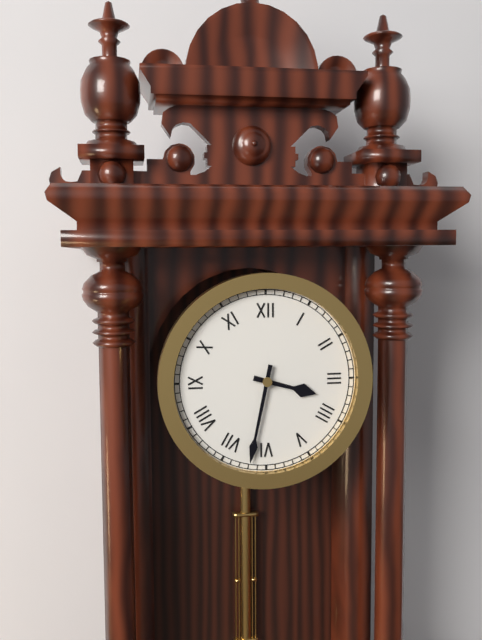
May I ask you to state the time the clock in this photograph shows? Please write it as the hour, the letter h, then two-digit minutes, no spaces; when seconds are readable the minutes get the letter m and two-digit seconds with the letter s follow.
3h32
